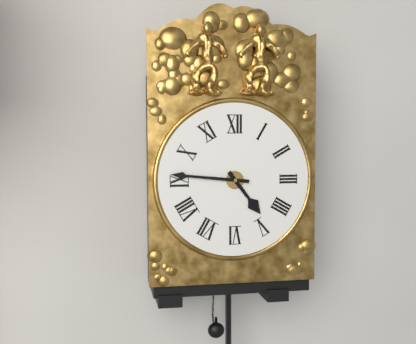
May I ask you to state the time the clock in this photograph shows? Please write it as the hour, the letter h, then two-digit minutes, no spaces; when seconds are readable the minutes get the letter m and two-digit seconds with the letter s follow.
4h46
